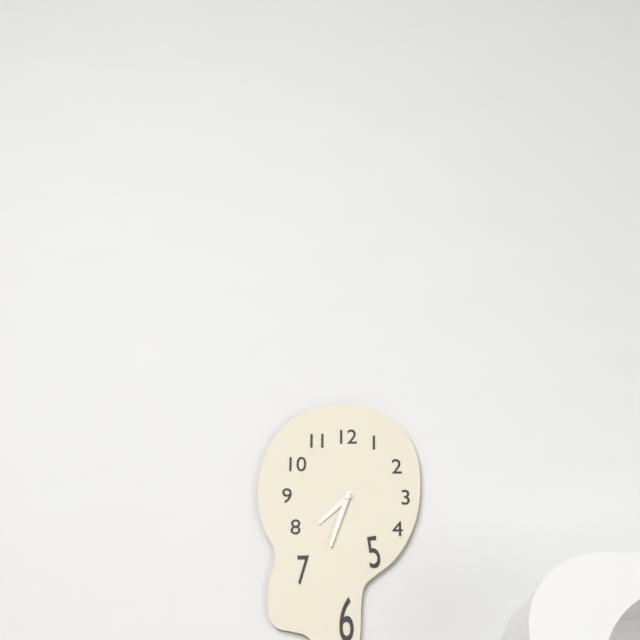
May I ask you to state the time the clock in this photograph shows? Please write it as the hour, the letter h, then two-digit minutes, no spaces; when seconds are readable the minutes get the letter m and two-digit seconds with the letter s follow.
7h33
